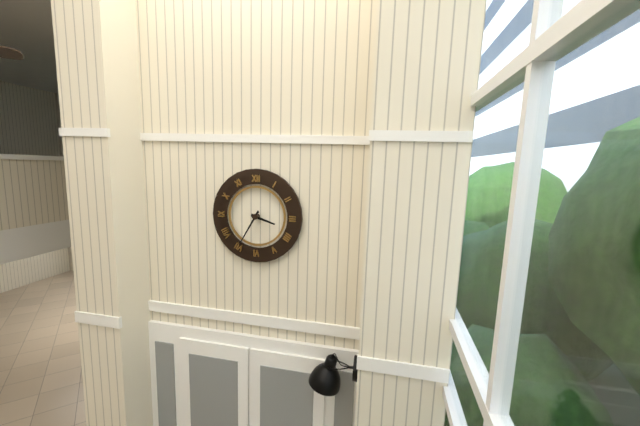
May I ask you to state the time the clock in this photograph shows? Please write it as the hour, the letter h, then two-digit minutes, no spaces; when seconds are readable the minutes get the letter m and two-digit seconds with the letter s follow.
3h35
